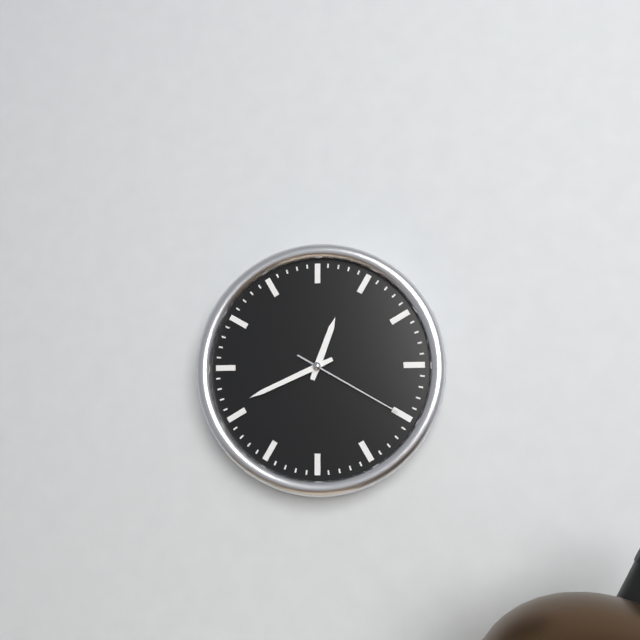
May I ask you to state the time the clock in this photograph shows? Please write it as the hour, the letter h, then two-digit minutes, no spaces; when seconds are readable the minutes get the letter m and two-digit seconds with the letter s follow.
12h41m20s
